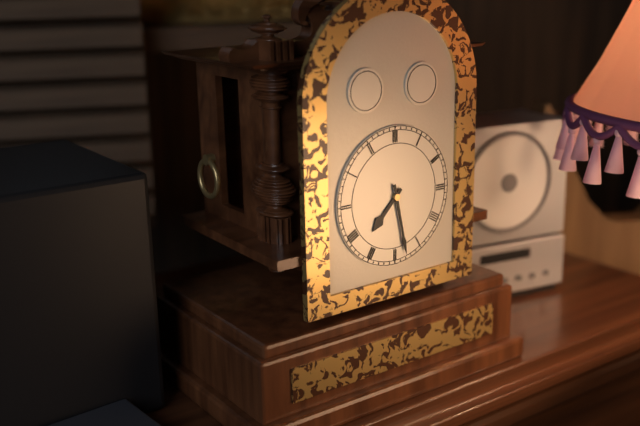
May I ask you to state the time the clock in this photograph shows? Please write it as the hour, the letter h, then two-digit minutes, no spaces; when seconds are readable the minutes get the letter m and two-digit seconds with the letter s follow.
7h28
